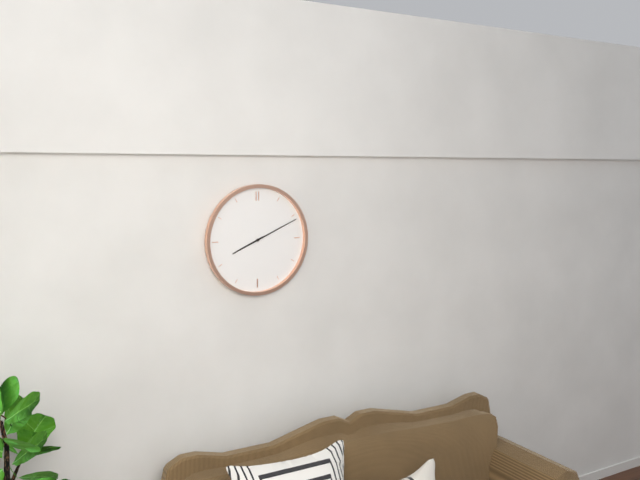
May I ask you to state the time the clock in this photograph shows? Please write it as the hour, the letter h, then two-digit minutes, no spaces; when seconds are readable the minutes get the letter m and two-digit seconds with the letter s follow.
8h11
